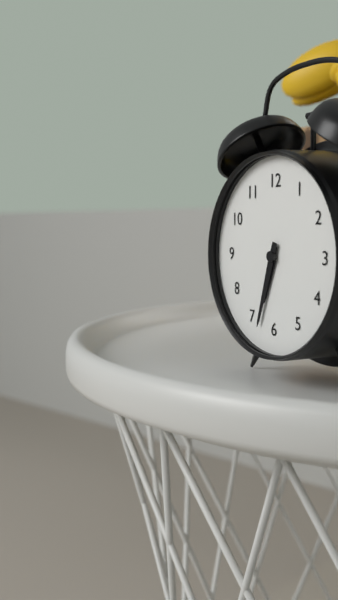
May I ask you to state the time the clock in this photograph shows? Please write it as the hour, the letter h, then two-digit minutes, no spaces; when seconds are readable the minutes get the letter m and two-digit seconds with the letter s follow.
6h33
